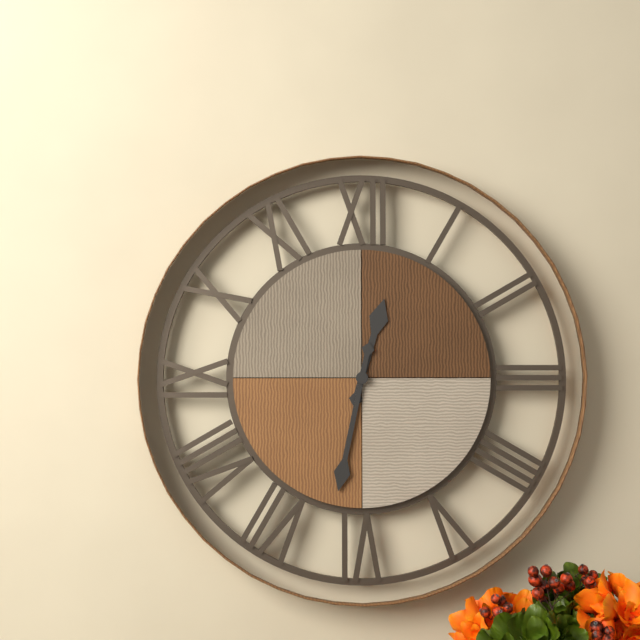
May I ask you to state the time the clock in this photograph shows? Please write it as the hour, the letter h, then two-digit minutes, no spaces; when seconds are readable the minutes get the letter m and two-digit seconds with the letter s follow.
12h32
